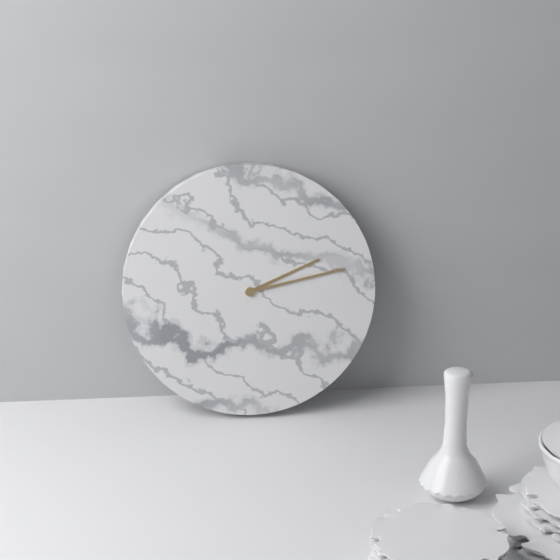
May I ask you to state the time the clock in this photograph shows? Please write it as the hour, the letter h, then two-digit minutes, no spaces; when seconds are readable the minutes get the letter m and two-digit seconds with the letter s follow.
2h13
